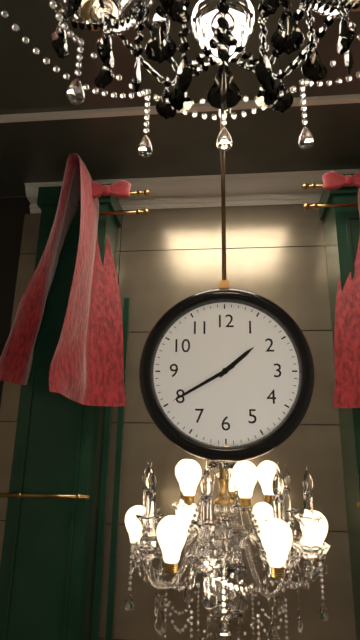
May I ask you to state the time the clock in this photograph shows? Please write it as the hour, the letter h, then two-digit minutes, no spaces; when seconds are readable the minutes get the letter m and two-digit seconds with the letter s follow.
1h40
